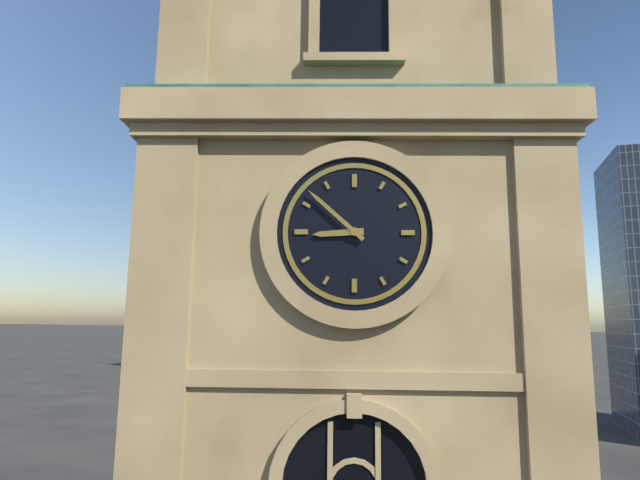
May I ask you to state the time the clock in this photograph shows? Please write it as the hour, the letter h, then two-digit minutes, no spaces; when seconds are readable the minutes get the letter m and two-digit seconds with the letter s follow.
8h52
